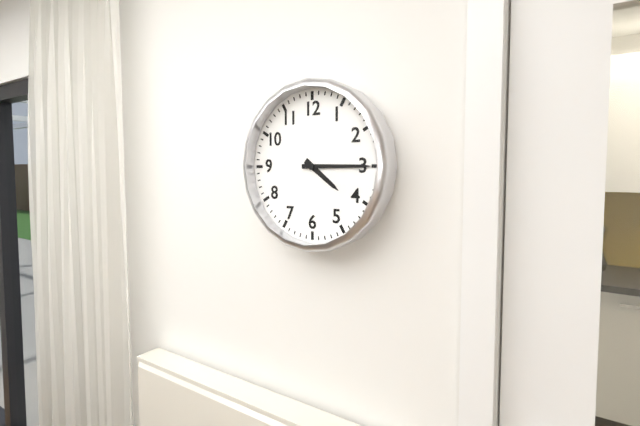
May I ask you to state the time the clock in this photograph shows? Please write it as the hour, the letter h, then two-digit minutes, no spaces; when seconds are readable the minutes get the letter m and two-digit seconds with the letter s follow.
4h15
